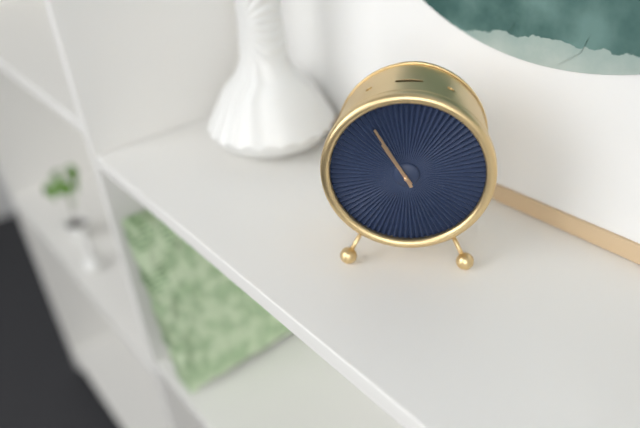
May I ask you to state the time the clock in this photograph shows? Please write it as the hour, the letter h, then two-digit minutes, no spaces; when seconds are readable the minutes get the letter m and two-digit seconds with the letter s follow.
10h55
